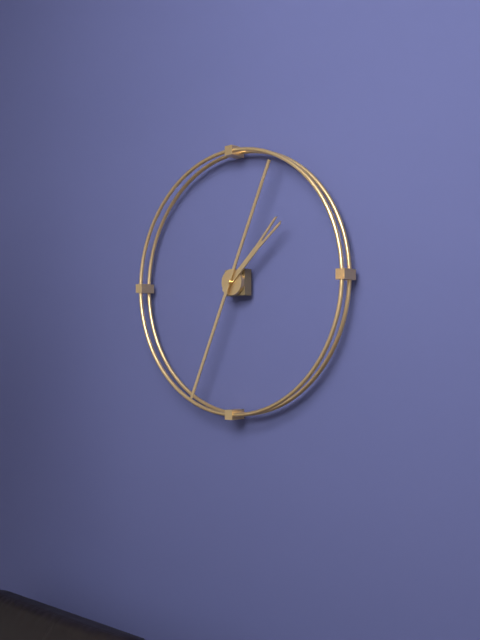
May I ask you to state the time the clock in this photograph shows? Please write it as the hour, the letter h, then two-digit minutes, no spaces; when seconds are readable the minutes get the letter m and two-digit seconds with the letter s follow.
1h34
